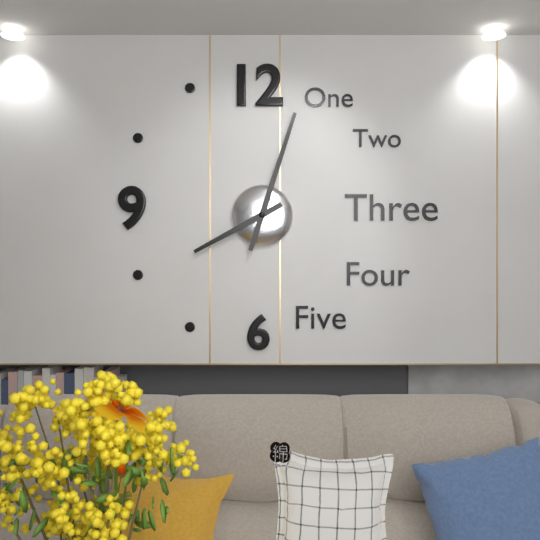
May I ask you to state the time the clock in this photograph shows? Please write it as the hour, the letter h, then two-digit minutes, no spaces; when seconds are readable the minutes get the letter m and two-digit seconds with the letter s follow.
8h03
